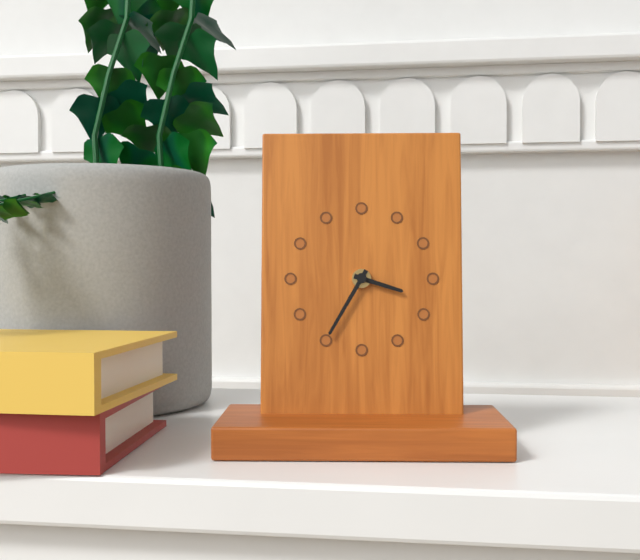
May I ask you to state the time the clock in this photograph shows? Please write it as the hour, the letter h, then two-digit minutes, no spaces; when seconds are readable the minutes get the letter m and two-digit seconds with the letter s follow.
3h35
